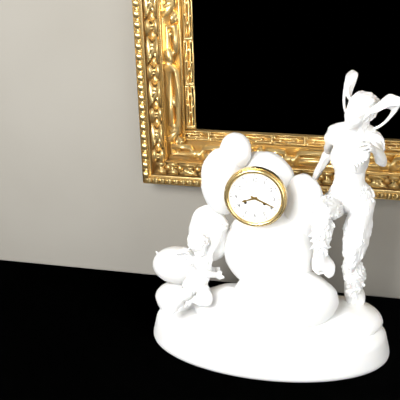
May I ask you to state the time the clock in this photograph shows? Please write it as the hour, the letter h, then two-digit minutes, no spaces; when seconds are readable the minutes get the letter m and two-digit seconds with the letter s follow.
8h19
